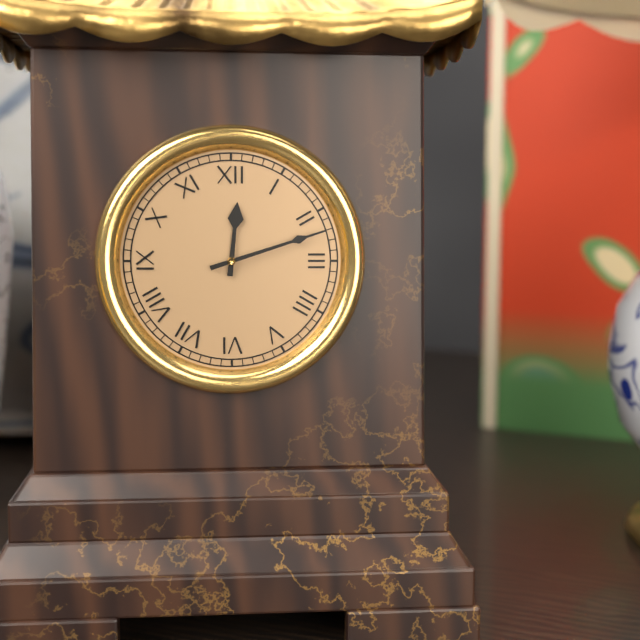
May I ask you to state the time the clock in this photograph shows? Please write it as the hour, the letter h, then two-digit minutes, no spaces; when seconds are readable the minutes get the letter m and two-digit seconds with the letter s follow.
12h12
